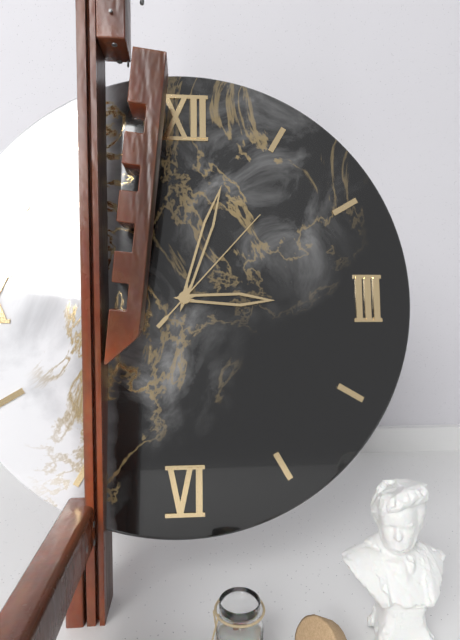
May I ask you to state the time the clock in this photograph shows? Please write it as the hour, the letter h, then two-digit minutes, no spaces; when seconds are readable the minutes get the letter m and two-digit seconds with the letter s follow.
3h03m07s
